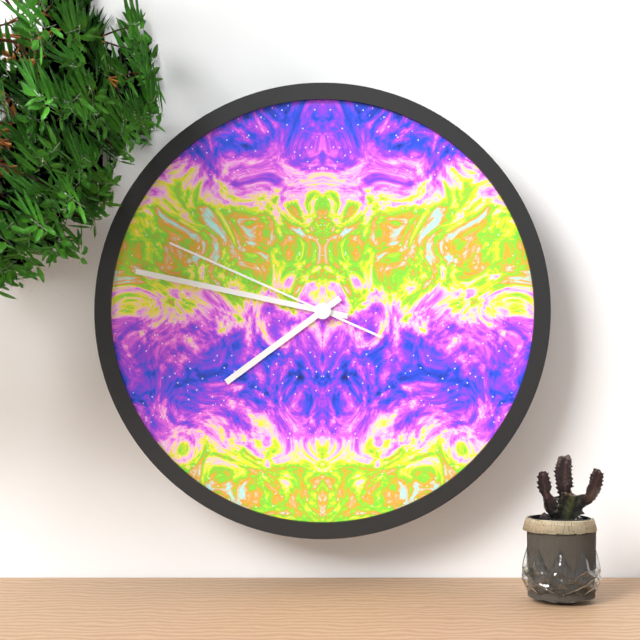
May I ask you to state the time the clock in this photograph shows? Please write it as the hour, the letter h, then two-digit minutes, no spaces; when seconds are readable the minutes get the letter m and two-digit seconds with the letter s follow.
7h47m49s
